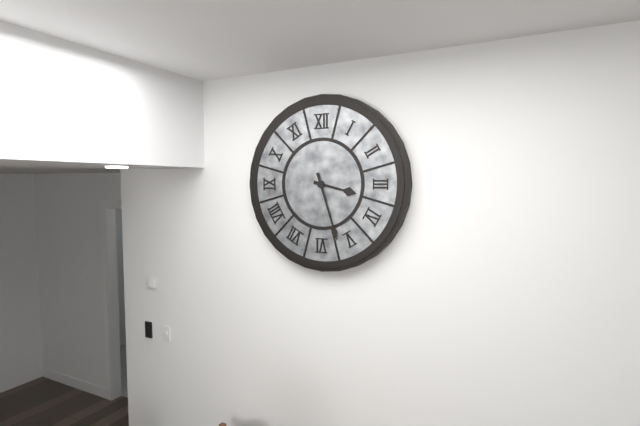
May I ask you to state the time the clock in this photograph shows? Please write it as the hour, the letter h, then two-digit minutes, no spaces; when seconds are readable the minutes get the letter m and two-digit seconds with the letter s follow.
3h27
